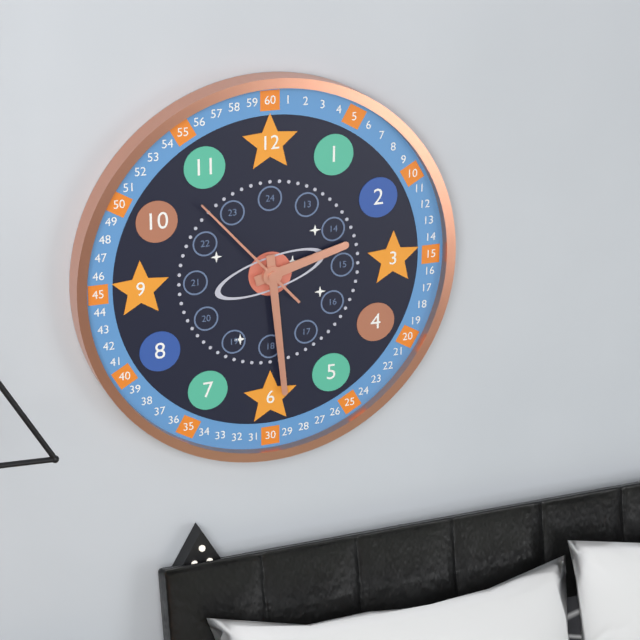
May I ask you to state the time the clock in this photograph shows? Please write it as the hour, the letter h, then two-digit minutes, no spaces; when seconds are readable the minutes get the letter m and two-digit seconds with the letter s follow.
2h29m53s
